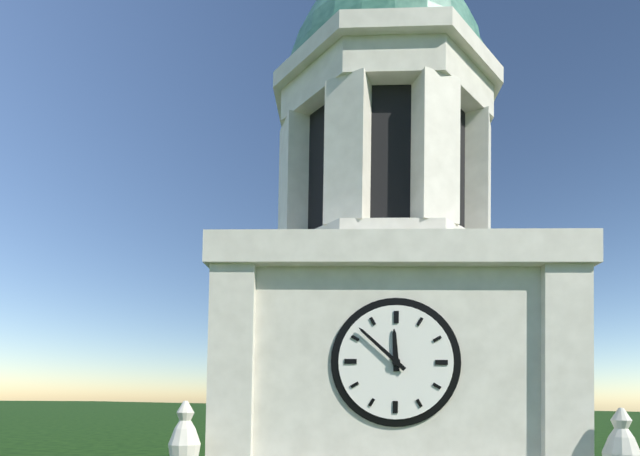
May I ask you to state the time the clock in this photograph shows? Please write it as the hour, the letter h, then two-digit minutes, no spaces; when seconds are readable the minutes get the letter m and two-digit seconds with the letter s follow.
11h52
